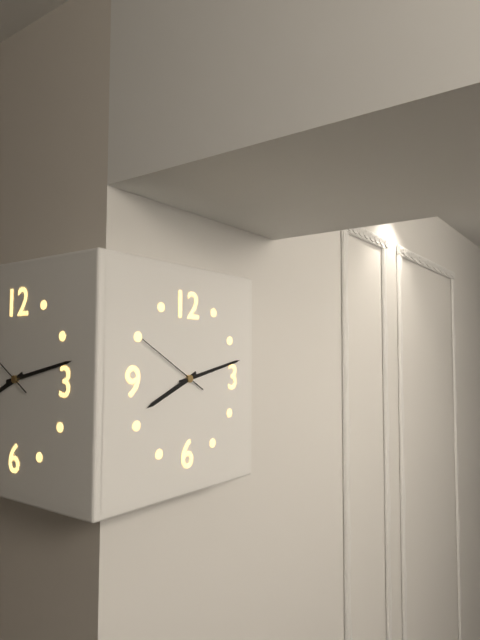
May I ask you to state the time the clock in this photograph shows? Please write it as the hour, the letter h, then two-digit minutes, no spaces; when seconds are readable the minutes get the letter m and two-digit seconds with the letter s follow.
8h13m50s
